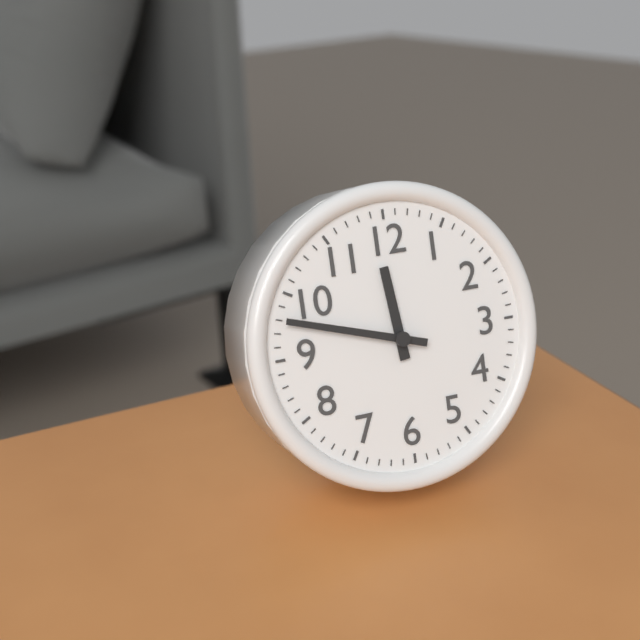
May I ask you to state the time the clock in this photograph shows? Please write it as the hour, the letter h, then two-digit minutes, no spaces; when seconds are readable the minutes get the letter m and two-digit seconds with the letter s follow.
11h48
